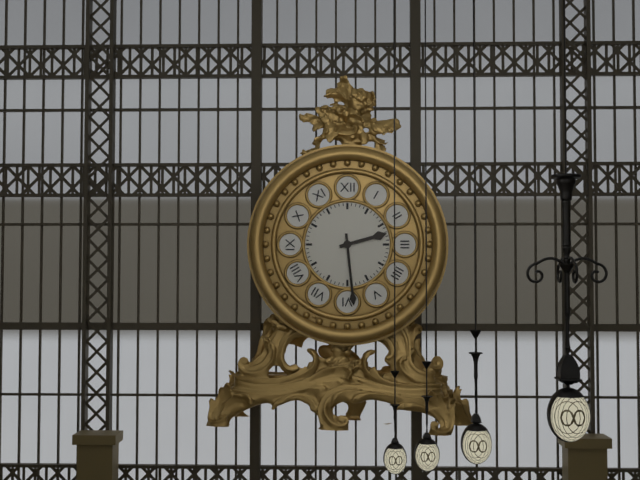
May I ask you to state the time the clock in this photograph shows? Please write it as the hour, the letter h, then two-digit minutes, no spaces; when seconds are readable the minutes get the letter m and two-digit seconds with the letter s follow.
2h29
